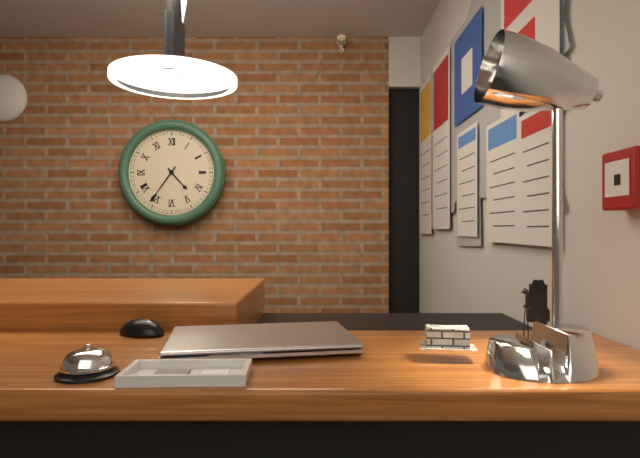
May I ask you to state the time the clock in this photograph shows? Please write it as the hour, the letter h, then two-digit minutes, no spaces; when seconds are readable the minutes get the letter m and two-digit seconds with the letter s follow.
4h36
